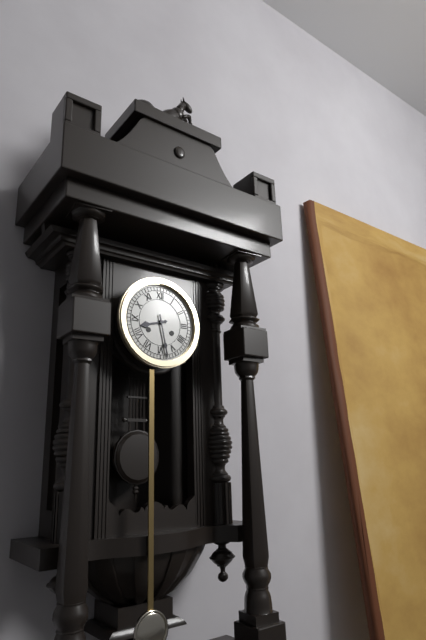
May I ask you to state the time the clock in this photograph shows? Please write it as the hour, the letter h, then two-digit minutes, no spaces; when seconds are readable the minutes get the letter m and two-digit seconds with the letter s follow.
8h28
